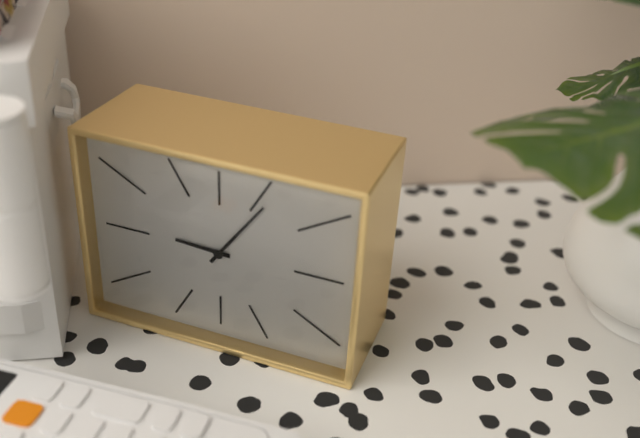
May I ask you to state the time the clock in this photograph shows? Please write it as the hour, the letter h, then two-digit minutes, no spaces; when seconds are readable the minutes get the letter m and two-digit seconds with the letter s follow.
9h06
